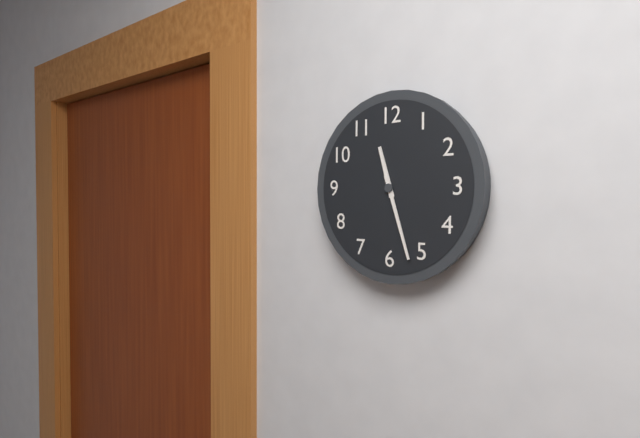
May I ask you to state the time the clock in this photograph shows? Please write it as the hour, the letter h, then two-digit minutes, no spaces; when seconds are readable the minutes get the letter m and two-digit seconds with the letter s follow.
11h27
